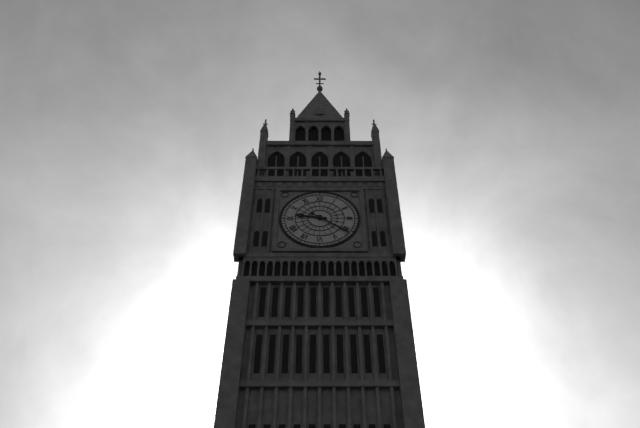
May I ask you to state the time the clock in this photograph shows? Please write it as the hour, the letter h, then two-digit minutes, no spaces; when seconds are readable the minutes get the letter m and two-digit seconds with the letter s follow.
9h21
